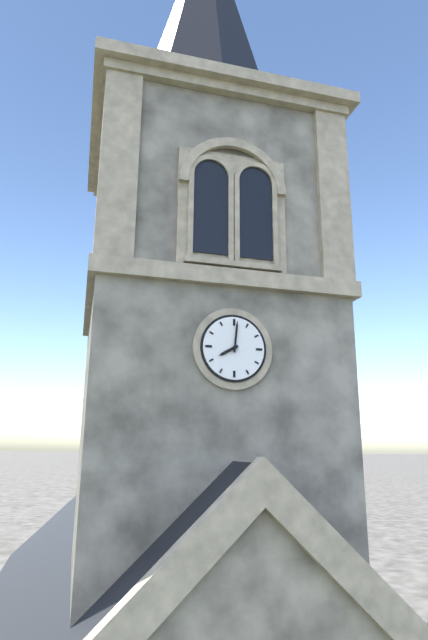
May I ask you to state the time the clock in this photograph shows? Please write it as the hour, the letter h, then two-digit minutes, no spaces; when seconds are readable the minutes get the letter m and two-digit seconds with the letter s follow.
8h01
